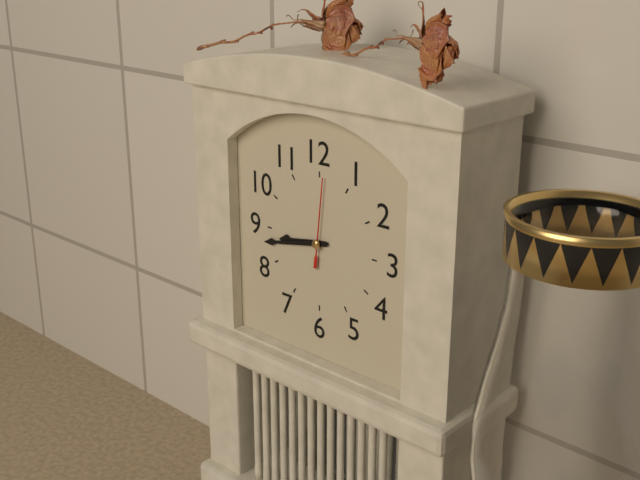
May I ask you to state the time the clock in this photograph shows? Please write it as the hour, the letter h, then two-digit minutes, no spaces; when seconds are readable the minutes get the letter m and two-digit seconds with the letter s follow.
8h43m01s
